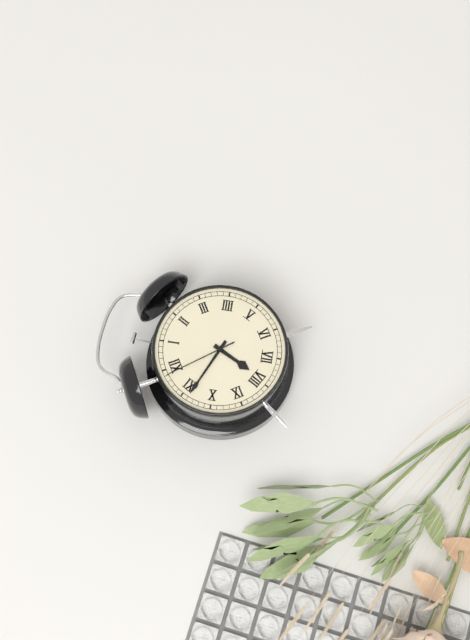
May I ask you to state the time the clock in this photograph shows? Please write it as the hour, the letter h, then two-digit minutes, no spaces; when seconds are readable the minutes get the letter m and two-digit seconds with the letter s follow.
7h54m59s
